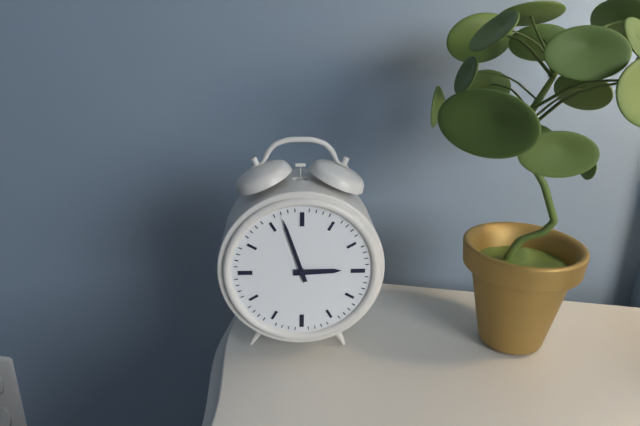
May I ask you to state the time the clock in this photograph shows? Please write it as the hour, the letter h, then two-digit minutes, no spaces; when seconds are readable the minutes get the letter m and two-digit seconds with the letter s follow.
2h57
